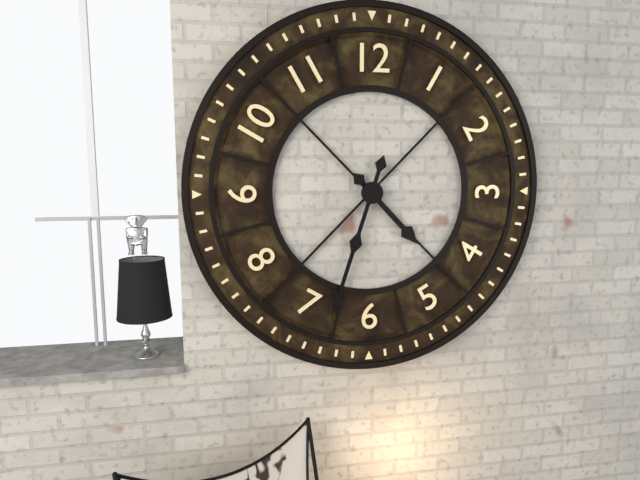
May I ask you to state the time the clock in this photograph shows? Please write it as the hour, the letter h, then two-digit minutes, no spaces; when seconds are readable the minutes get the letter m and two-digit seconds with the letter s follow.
4h33
